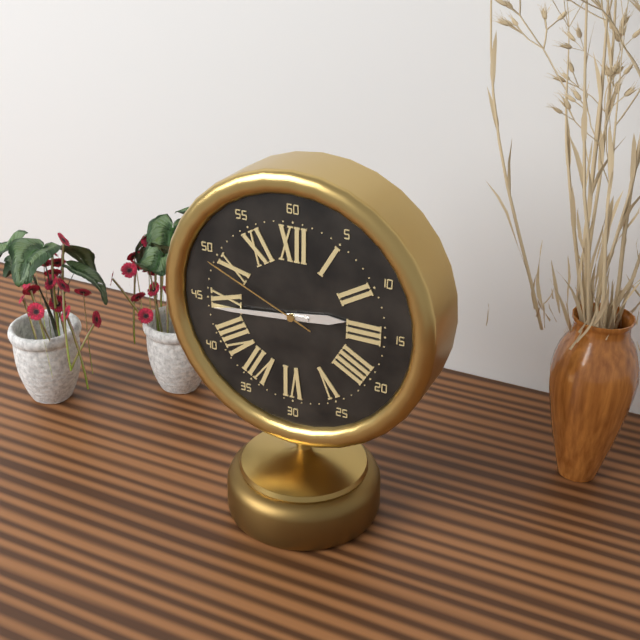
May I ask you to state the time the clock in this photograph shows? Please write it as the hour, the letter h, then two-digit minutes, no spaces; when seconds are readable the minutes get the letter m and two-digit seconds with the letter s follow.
2h44m49s
